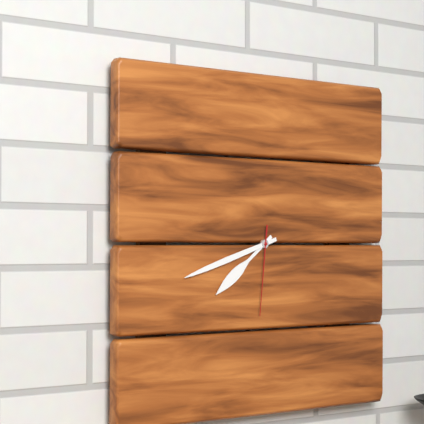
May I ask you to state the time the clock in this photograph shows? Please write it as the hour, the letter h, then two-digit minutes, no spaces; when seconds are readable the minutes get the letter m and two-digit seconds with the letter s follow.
7h42m31s
